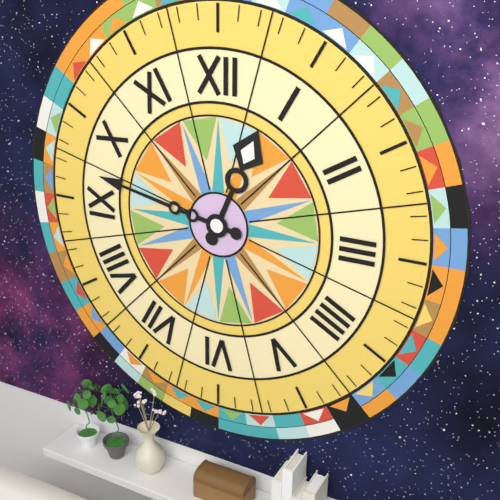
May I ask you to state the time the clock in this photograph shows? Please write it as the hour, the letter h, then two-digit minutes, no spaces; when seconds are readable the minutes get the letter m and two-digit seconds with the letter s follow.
12h47
